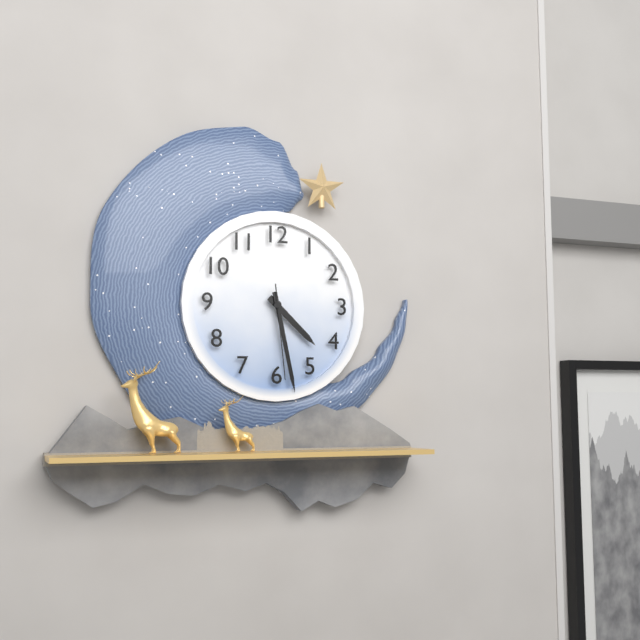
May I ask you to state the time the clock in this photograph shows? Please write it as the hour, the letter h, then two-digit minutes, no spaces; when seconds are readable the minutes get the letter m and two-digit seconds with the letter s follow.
4h28m29s
